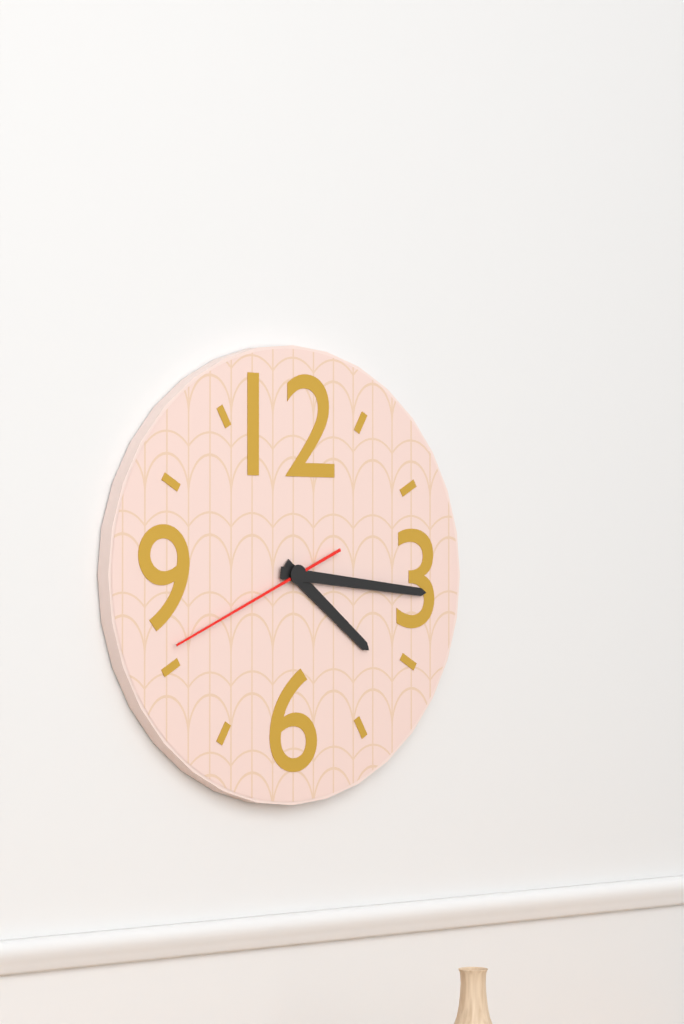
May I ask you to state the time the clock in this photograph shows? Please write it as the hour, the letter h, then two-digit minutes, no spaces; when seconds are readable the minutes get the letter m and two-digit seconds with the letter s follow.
4h16m41s
